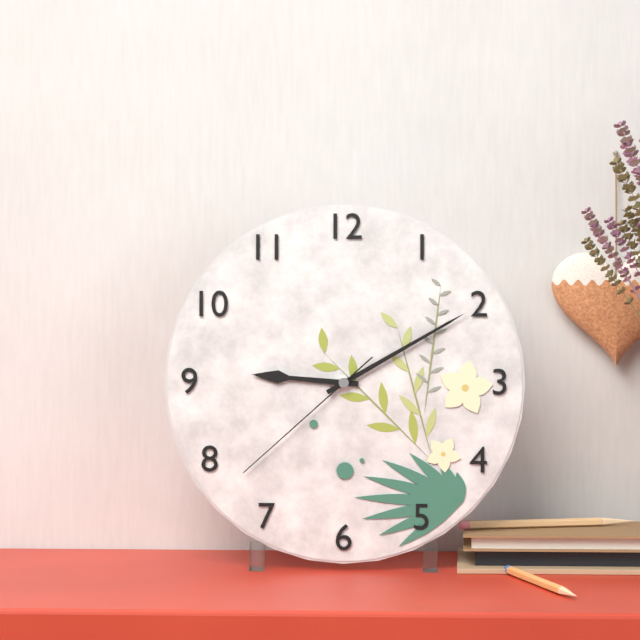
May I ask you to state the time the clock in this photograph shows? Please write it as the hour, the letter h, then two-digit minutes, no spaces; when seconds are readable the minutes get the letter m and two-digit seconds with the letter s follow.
9h10m38s
